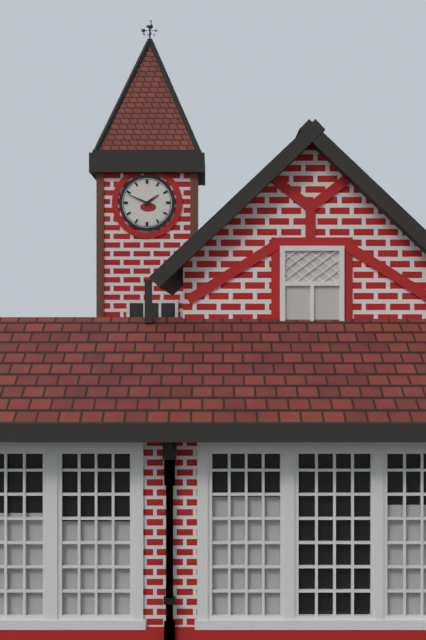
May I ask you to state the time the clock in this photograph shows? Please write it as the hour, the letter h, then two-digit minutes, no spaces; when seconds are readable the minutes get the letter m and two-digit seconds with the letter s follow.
1h49
